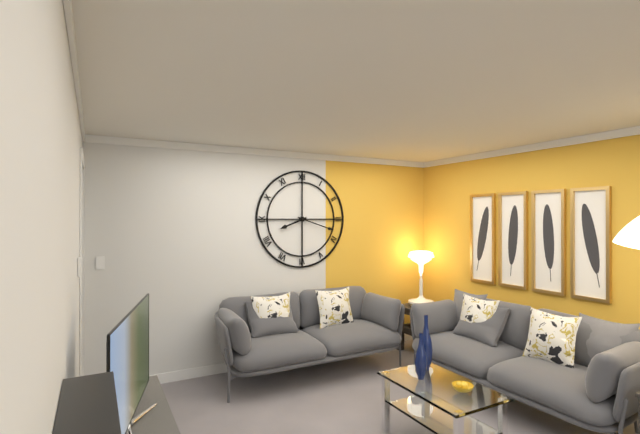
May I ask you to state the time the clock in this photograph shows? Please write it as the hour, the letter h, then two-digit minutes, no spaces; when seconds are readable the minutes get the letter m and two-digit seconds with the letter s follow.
8h18
